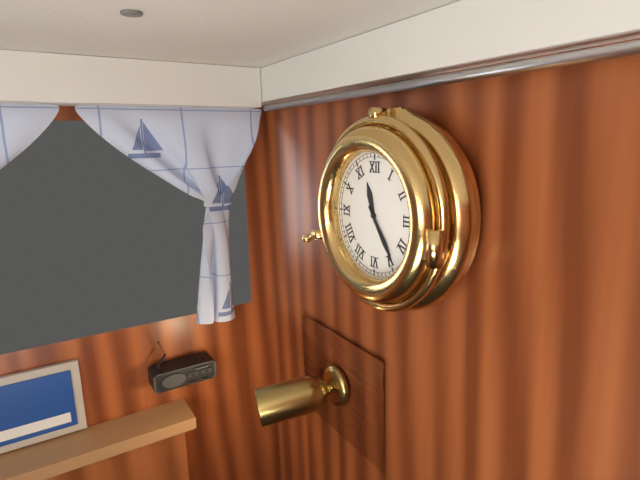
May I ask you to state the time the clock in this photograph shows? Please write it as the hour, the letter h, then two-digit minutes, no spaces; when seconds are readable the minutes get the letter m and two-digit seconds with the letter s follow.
11h24
